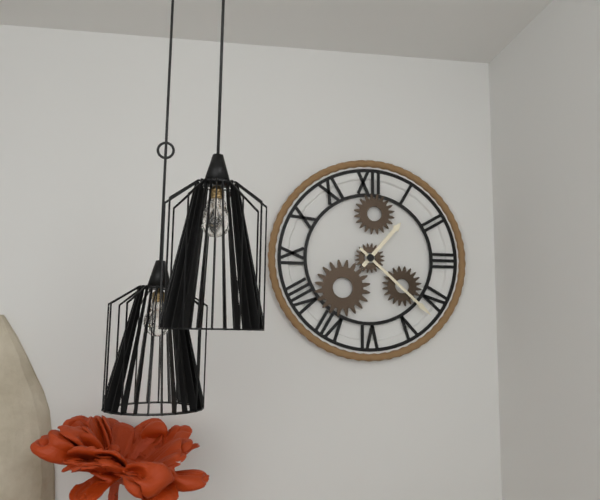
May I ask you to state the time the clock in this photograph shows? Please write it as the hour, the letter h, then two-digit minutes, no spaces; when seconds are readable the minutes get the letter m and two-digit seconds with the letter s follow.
1h22
